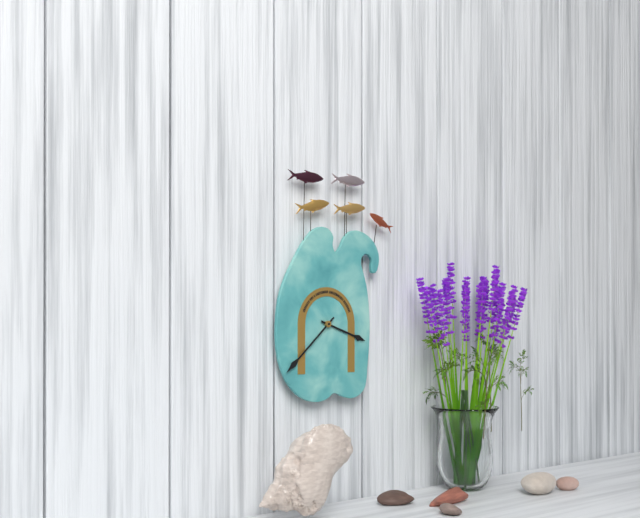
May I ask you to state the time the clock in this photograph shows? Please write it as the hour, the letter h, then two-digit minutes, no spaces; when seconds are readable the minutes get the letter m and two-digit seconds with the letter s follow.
3h38
